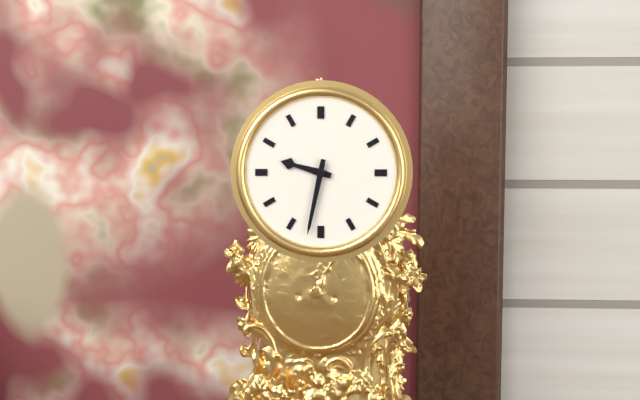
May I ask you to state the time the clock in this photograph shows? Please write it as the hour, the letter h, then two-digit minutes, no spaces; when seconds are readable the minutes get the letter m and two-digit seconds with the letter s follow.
9h32
